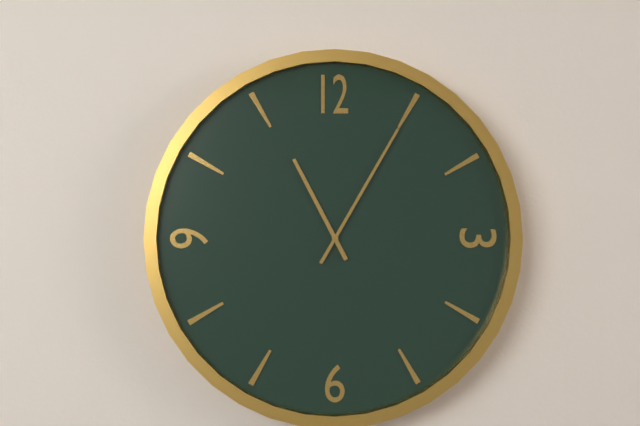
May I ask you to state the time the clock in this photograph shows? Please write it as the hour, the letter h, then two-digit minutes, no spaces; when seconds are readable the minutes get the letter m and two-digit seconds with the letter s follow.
11h05
